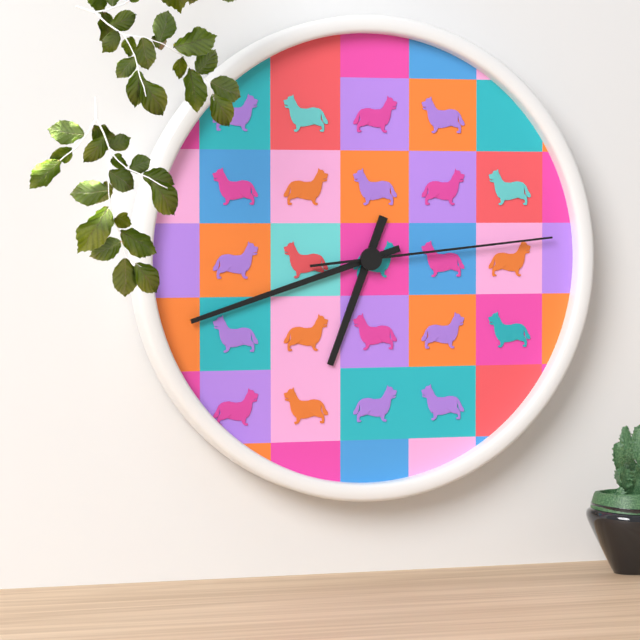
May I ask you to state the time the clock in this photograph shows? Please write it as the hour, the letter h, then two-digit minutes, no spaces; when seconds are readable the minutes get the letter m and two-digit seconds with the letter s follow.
6h42m14s
